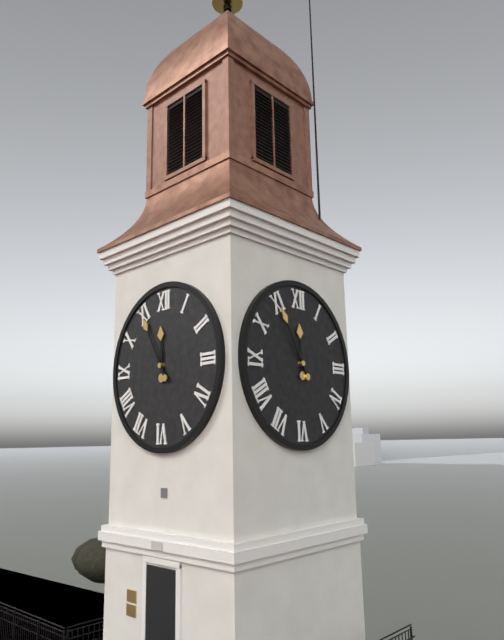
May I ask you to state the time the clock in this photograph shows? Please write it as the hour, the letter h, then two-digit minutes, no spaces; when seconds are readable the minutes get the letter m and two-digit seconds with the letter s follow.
11h55
